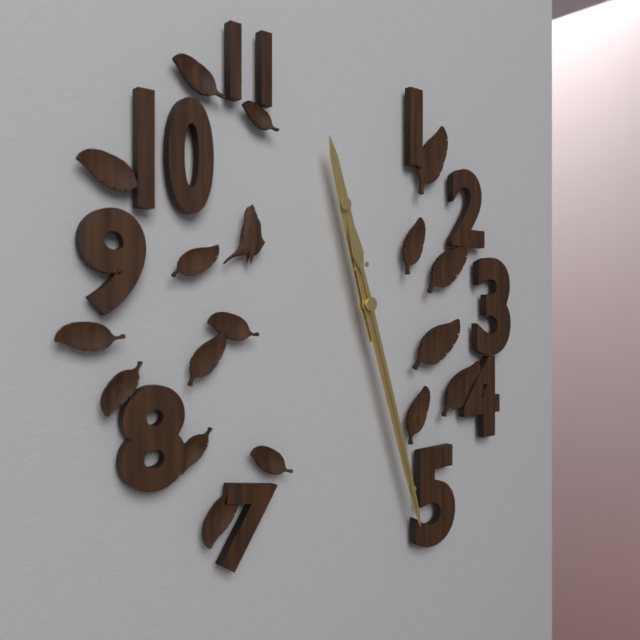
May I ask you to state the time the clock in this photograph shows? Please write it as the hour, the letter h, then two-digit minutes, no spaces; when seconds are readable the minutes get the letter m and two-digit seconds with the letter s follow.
11h27m27s
